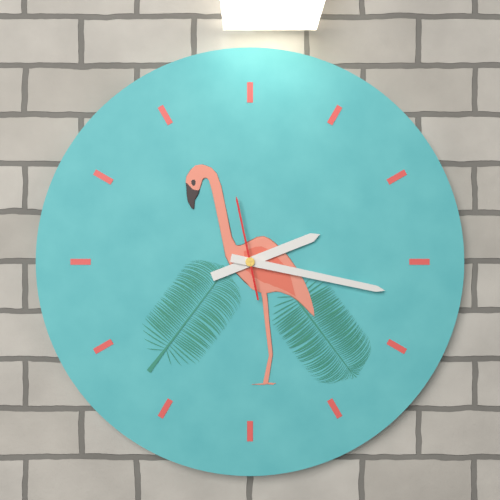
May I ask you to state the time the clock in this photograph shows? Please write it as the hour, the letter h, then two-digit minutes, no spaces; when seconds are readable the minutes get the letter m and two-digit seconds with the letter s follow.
2h17m58s
